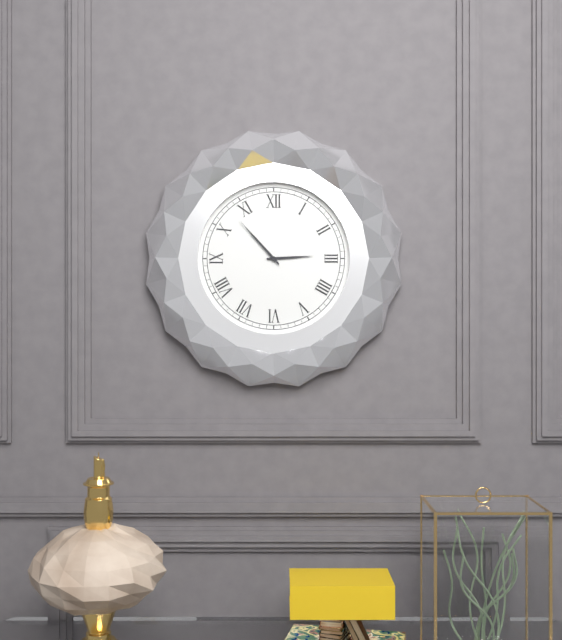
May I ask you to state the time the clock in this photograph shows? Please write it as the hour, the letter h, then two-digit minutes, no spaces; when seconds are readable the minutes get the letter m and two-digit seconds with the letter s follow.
2h53
